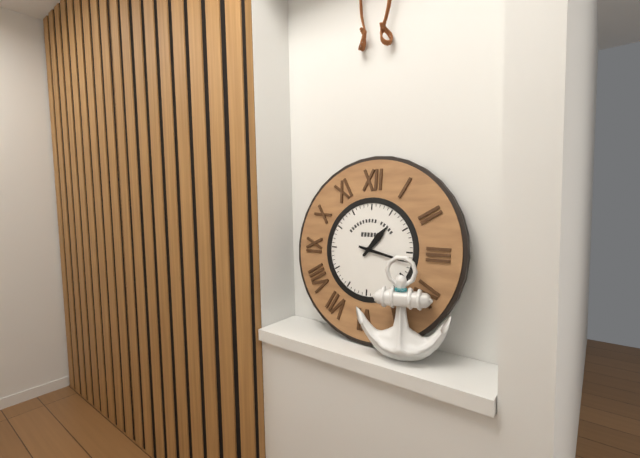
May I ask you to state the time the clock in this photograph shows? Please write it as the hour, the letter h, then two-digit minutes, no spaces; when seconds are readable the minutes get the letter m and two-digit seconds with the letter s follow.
1h17
